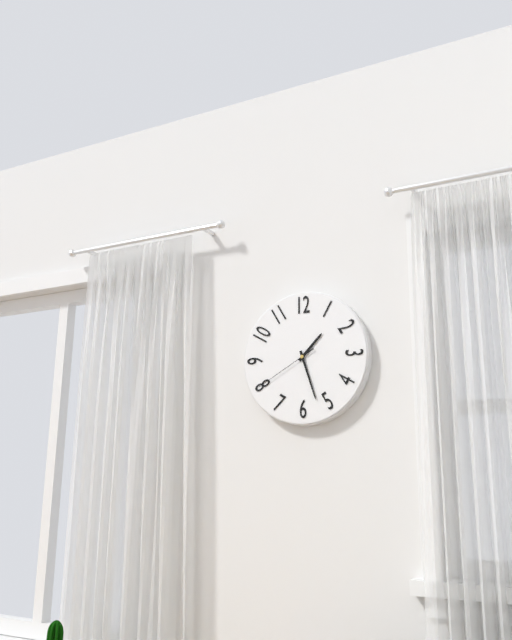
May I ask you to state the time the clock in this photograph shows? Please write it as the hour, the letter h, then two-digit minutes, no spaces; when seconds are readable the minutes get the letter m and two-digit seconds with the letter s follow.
1h27m40s
